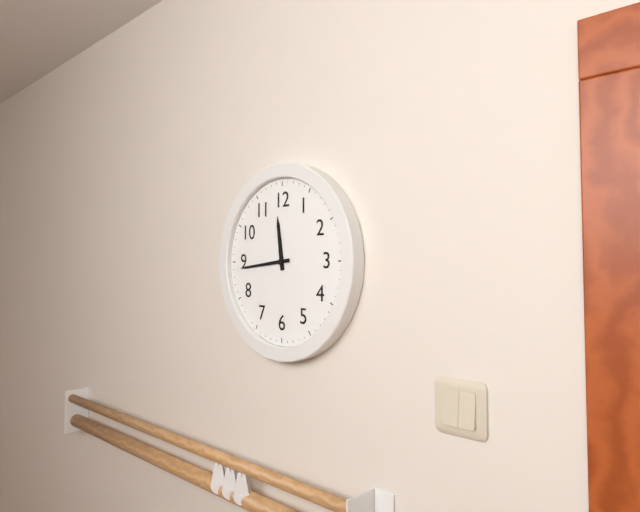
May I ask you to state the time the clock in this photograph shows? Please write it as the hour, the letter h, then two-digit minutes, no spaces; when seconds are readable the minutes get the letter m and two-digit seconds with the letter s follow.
11h44
